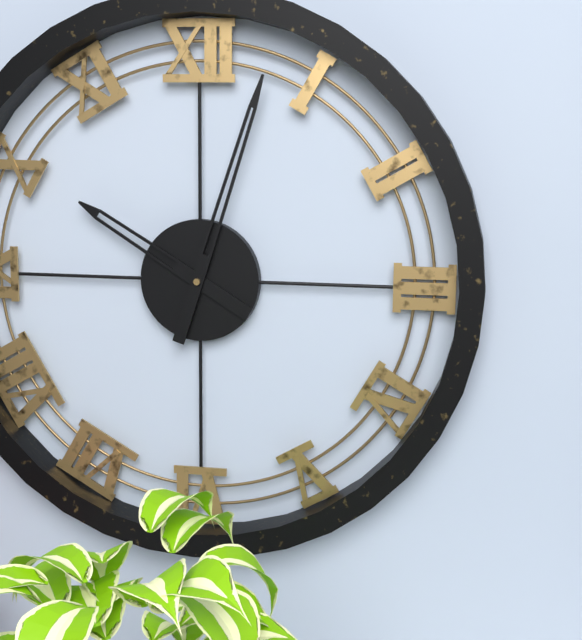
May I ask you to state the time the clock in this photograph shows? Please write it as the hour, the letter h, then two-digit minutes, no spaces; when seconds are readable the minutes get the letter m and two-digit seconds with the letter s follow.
10h03
